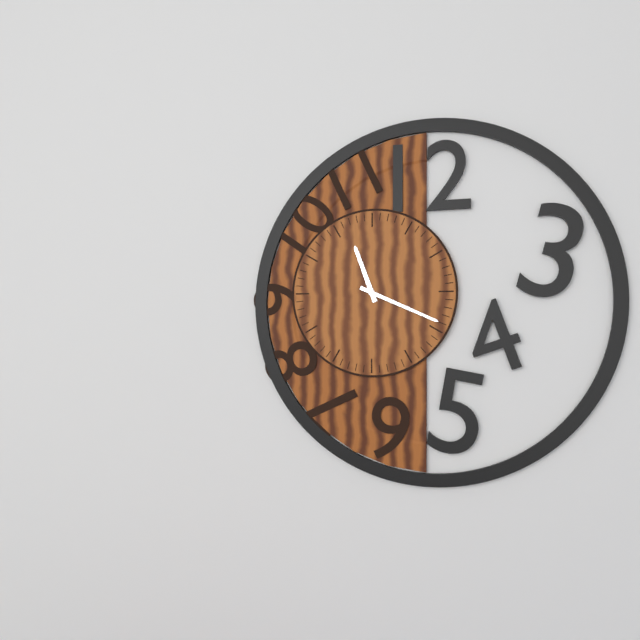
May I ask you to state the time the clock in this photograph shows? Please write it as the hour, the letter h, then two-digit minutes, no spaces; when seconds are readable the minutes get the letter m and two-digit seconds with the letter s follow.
11h19
